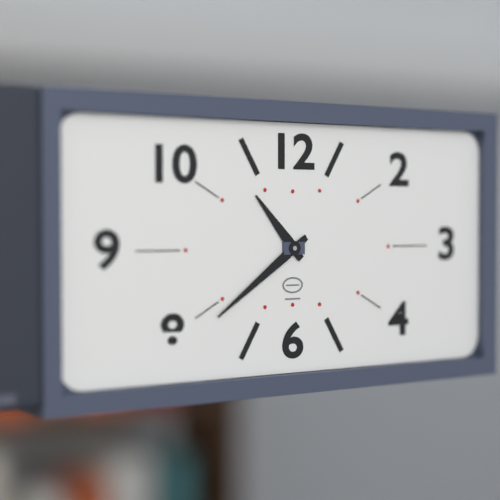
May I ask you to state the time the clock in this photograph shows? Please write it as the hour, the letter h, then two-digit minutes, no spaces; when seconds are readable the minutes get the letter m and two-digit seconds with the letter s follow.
10h39
